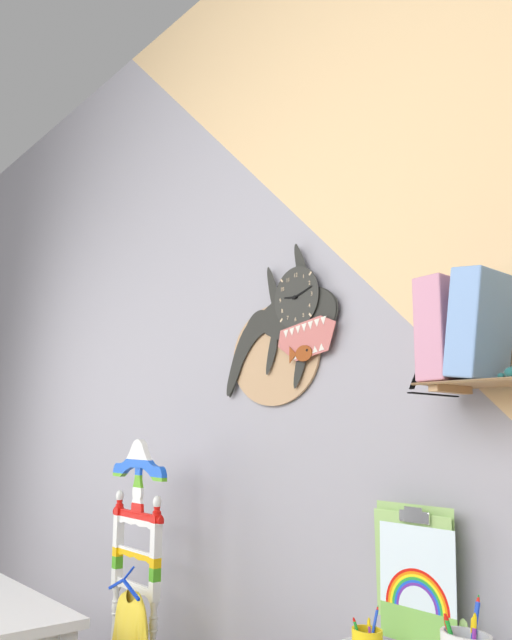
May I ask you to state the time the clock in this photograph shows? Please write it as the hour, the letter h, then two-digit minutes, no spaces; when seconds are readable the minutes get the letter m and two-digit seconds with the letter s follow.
9h12
